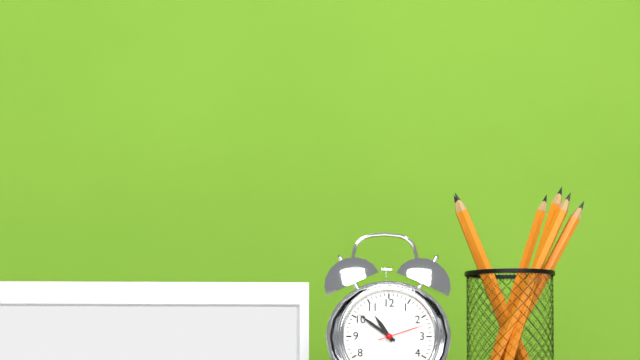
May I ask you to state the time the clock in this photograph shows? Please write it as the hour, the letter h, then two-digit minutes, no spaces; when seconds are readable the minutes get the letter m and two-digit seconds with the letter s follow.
10h51m12s
